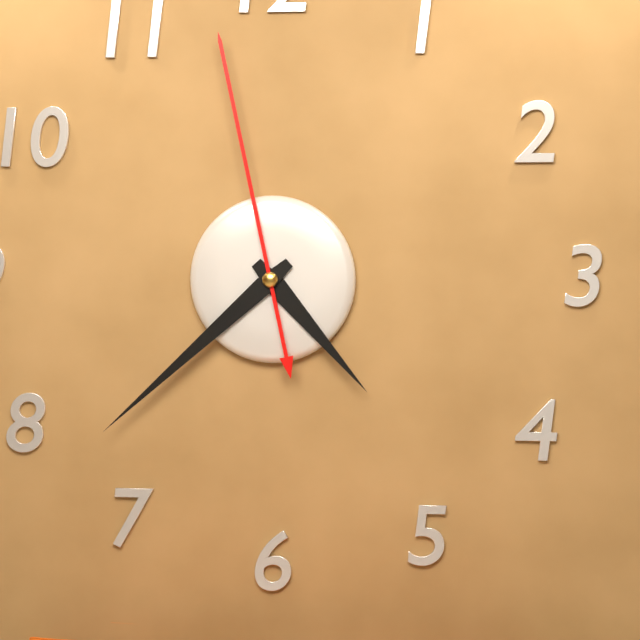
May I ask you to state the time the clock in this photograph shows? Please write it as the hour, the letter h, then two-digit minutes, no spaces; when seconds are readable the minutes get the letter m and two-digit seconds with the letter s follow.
4h38m58s
